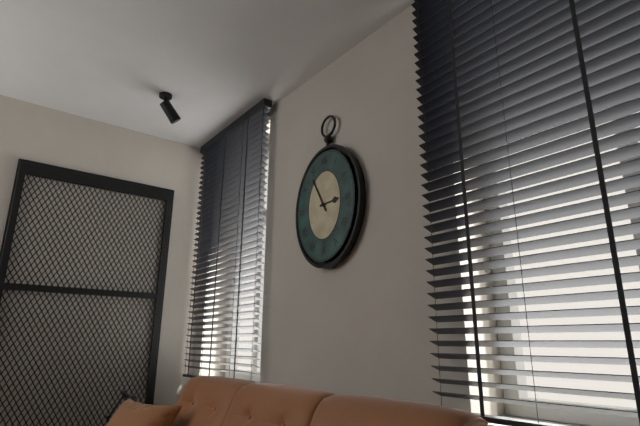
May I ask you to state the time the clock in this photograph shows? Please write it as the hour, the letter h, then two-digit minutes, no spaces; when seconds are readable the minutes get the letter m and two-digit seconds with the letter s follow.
2h55
